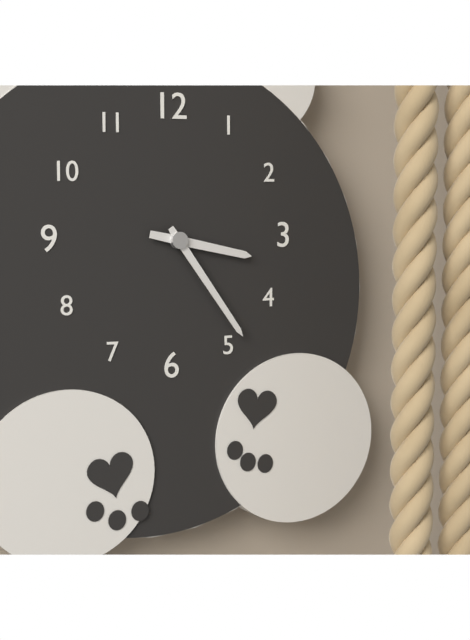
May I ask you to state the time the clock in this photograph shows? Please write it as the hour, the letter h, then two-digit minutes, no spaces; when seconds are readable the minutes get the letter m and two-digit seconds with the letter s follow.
3h24
